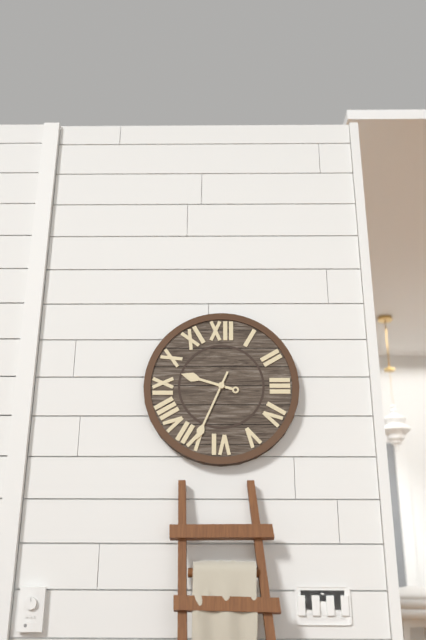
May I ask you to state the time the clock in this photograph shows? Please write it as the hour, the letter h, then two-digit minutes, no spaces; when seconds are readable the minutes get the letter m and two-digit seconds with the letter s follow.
9h34
